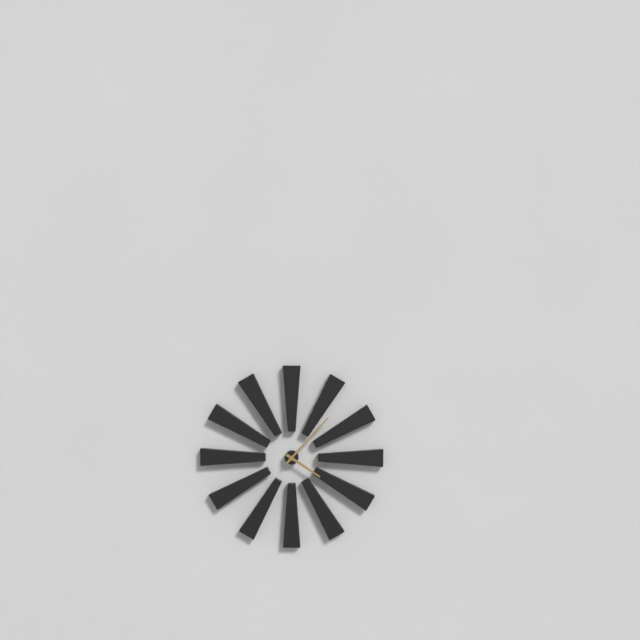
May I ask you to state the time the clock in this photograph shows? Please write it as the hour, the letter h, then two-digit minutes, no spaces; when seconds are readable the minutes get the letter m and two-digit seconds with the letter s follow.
4h07
